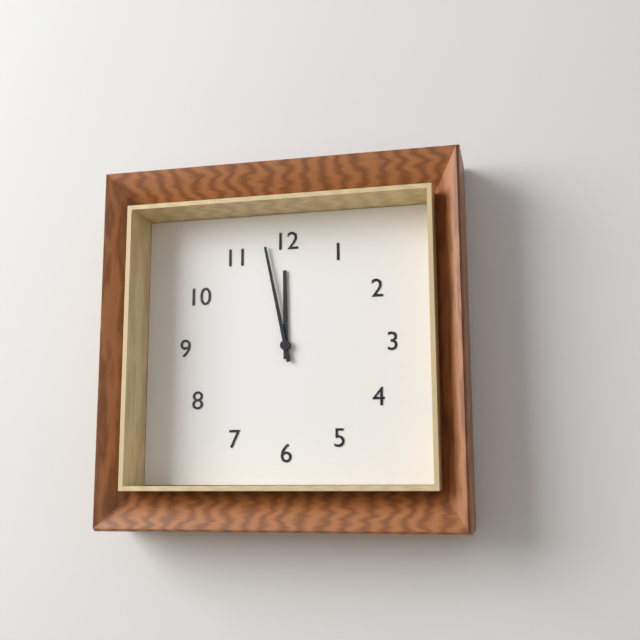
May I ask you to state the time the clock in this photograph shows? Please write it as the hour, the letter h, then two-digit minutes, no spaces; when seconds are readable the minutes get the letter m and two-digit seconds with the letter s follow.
11h58
